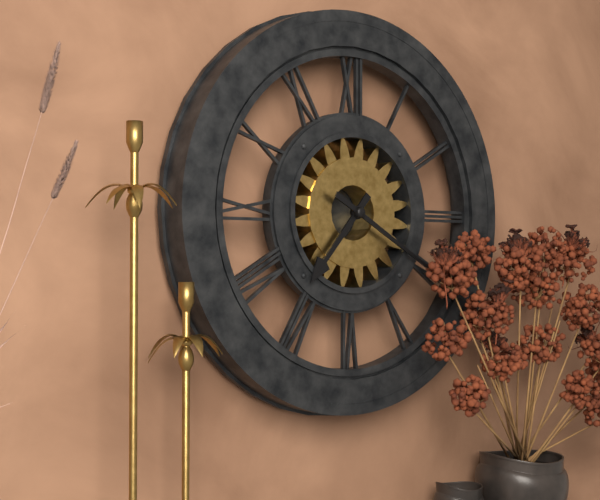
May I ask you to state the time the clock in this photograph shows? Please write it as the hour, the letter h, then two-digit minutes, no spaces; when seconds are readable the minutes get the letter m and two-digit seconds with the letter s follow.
7h20
